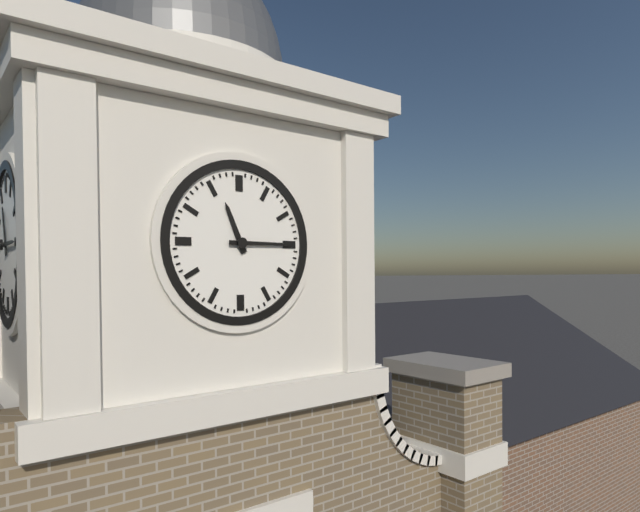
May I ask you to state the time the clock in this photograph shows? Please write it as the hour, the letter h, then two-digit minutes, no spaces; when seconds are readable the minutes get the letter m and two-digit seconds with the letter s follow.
11h15
